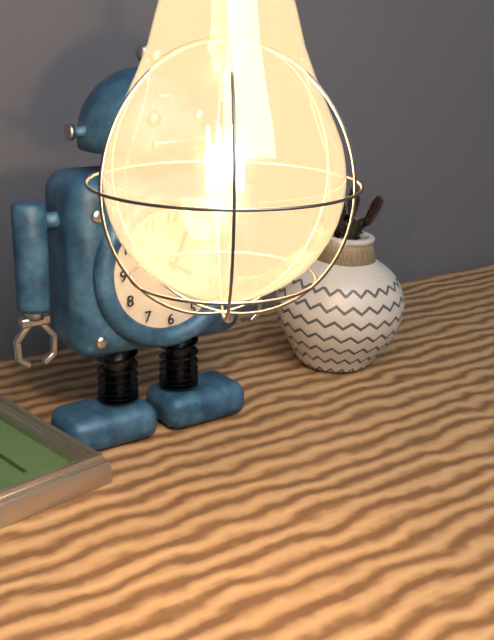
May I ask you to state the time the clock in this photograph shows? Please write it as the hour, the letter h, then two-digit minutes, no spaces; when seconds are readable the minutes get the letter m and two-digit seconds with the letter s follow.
4h04
